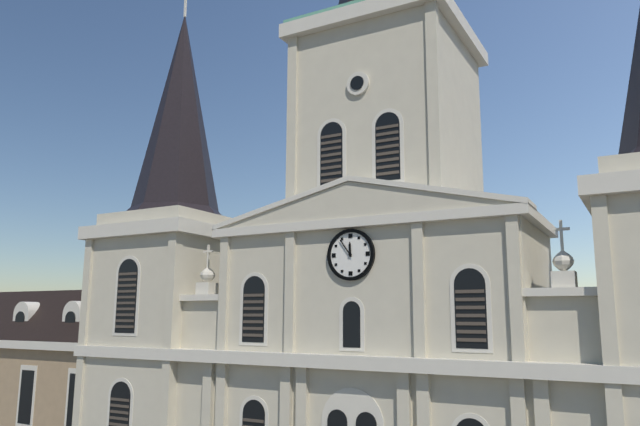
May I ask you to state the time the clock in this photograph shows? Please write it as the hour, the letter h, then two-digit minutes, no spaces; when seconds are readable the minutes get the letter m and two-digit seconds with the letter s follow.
11h54
